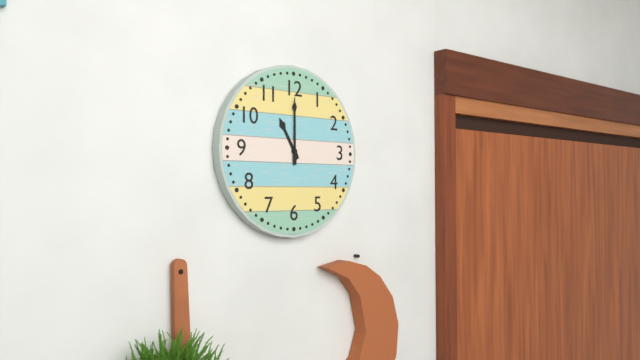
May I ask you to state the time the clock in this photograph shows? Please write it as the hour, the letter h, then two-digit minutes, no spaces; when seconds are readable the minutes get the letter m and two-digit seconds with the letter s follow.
11h00
